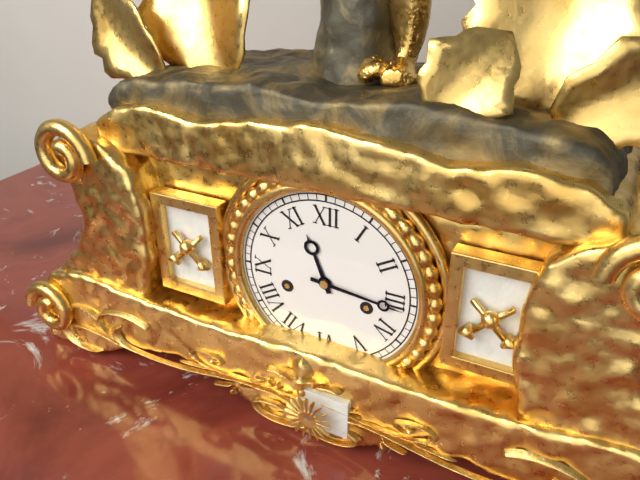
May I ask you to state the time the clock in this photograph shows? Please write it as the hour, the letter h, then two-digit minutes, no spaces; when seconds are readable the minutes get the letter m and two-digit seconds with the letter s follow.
11h16
